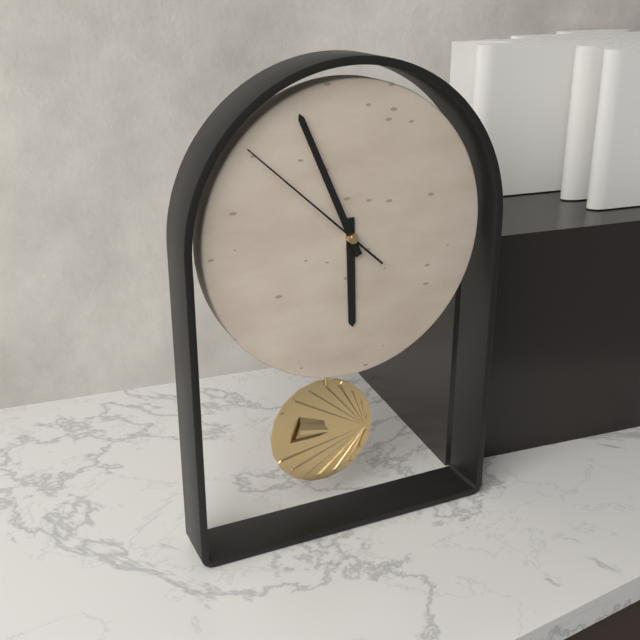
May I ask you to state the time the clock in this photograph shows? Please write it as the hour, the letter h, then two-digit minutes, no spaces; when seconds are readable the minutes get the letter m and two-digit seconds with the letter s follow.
5h56m52s
